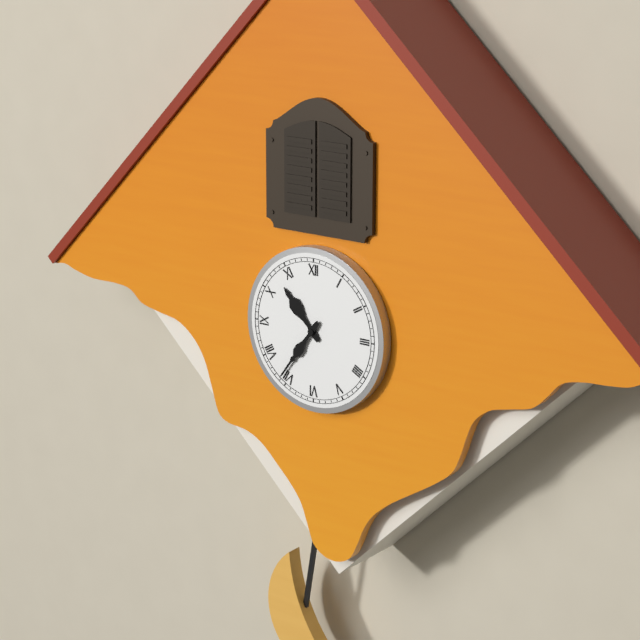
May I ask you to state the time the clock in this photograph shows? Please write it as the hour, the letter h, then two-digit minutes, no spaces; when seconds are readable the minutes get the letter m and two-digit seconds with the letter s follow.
10h36
